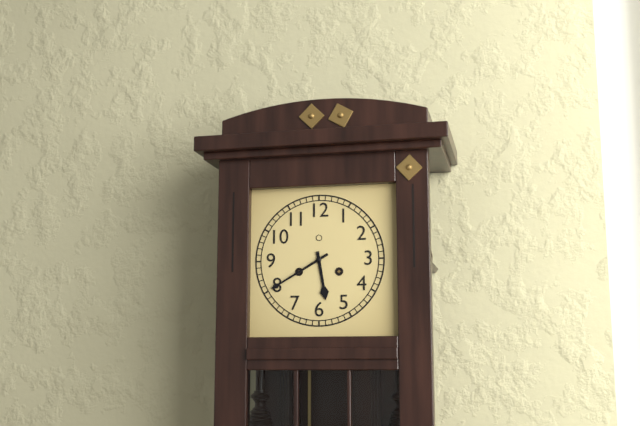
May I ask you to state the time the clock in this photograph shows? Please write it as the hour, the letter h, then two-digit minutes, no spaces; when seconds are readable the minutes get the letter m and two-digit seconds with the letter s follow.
5h40
